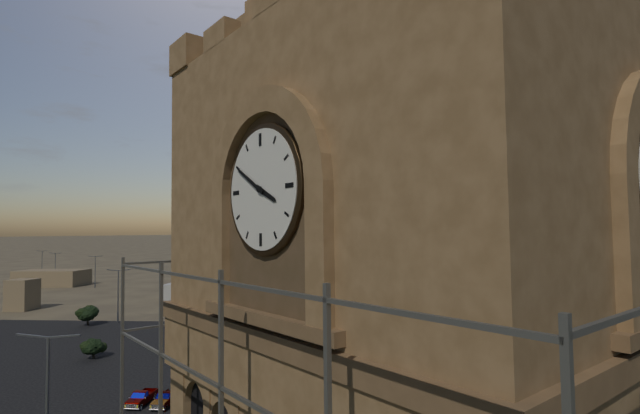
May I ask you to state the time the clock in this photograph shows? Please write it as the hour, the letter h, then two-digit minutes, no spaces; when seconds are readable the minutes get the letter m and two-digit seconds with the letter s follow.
3h50
